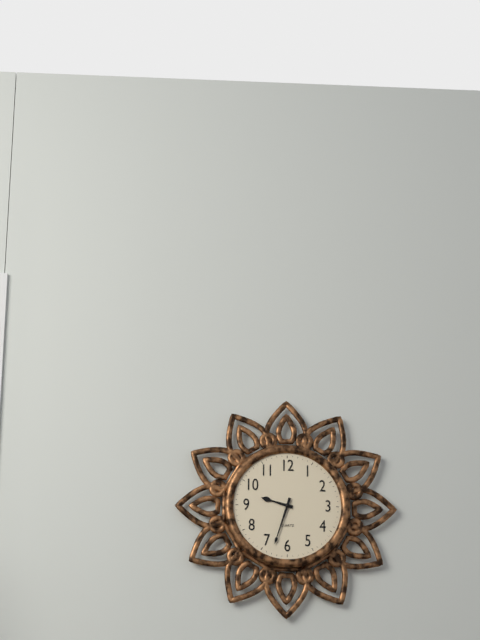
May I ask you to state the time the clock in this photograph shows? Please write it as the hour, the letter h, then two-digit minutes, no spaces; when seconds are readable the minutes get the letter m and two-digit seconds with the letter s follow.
9h33
